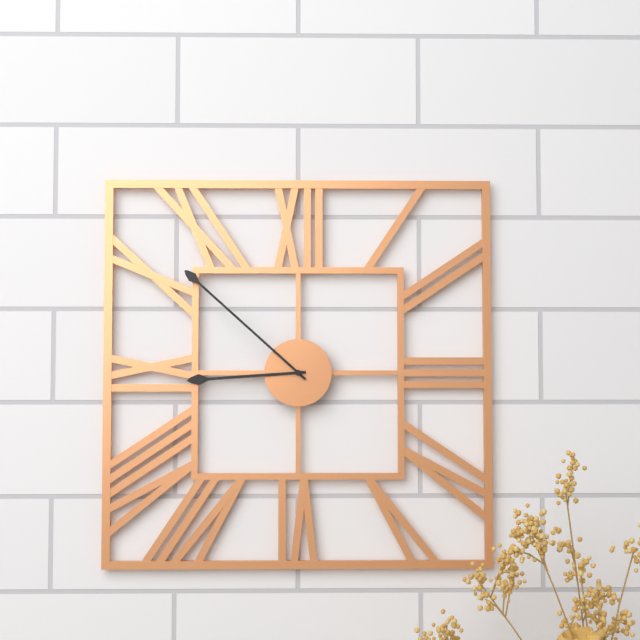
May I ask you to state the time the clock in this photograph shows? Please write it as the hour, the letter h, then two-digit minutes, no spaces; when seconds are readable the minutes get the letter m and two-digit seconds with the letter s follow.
8h52
